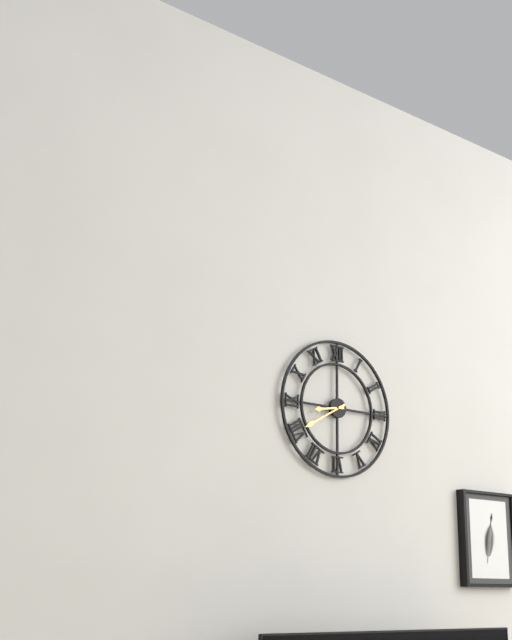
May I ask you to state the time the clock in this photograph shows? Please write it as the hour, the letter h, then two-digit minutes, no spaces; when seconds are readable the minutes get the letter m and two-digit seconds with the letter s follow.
8h40
